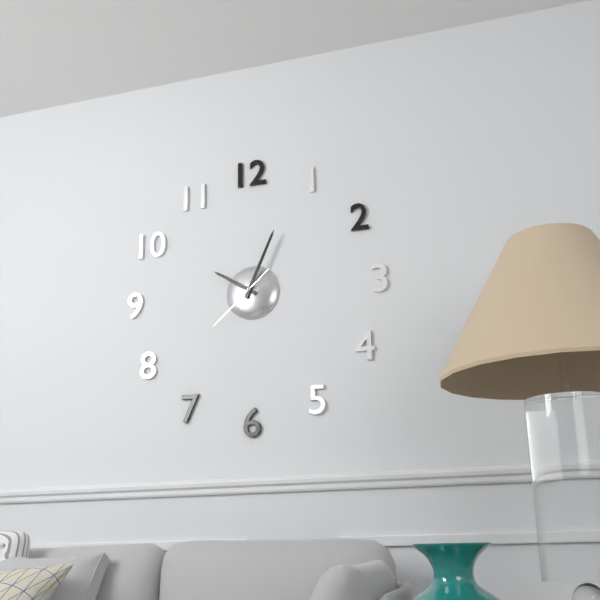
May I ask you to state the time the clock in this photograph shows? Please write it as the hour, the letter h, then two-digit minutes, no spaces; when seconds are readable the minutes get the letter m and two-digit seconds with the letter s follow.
10h04m38s
